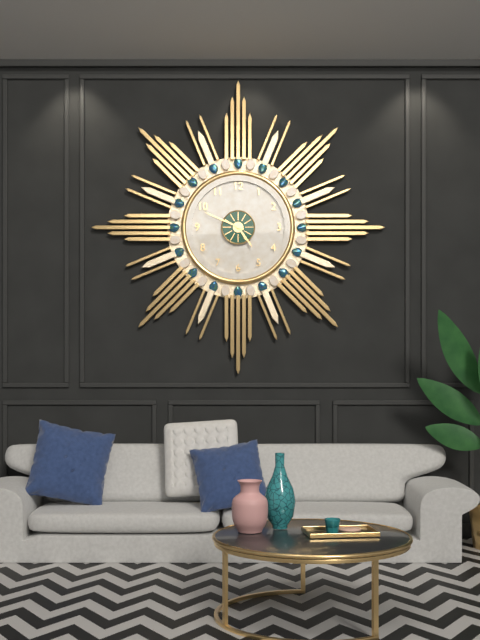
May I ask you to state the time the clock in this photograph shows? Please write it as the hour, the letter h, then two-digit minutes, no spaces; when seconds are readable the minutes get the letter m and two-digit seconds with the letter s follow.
4h49
